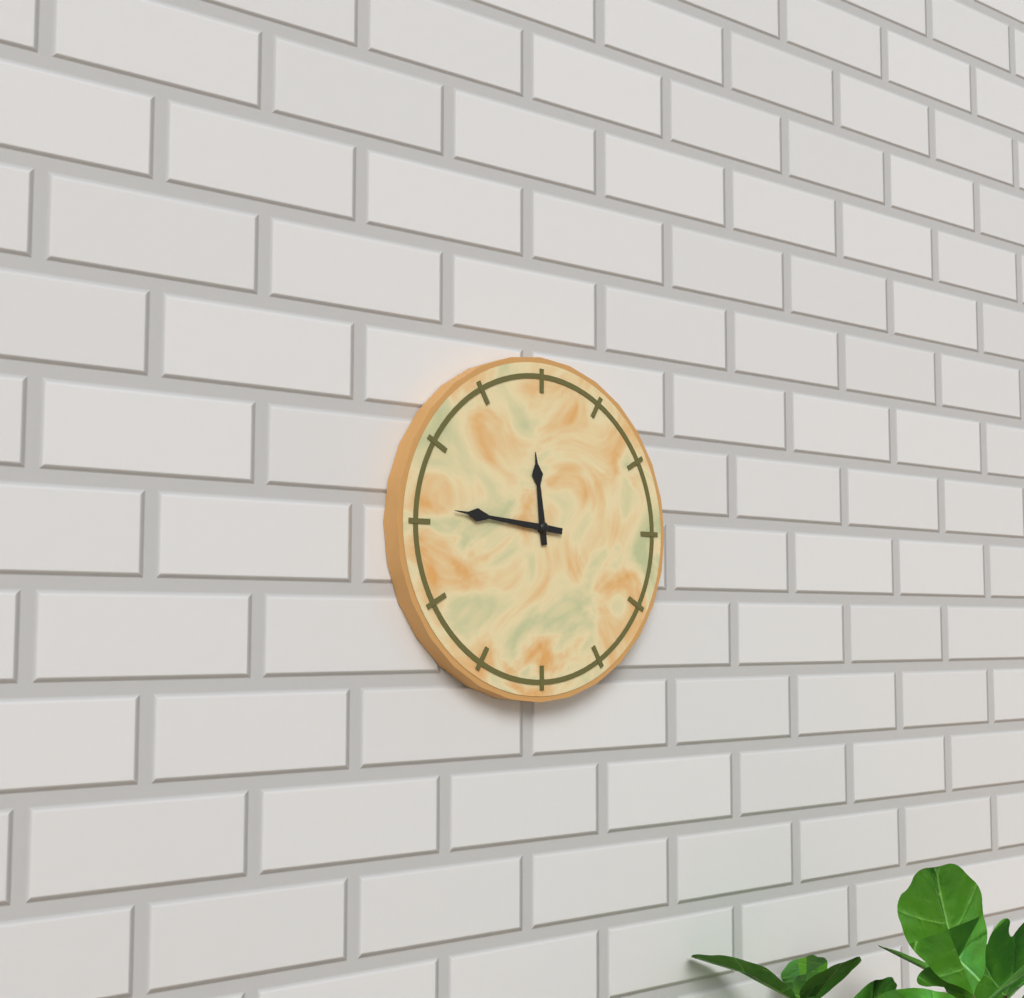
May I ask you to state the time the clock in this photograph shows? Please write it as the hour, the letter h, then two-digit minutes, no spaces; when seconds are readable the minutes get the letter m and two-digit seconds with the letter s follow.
11h46
